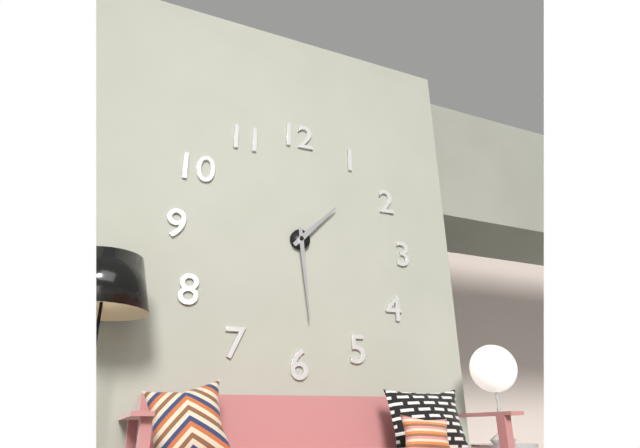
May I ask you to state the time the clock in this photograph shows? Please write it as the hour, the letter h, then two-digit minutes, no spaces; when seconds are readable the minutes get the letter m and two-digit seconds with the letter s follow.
1h29
